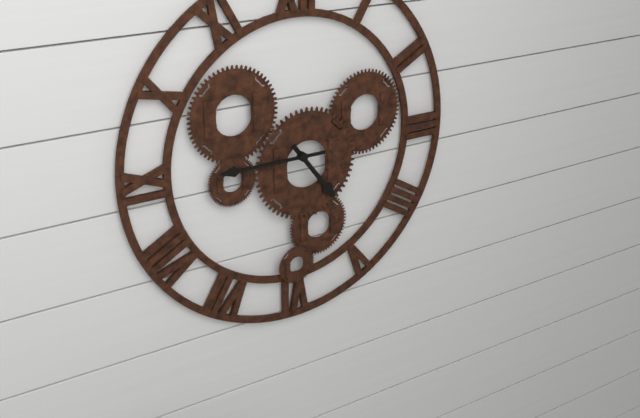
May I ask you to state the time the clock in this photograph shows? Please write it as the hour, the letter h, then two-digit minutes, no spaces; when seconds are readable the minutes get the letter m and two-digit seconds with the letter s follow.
4h45
